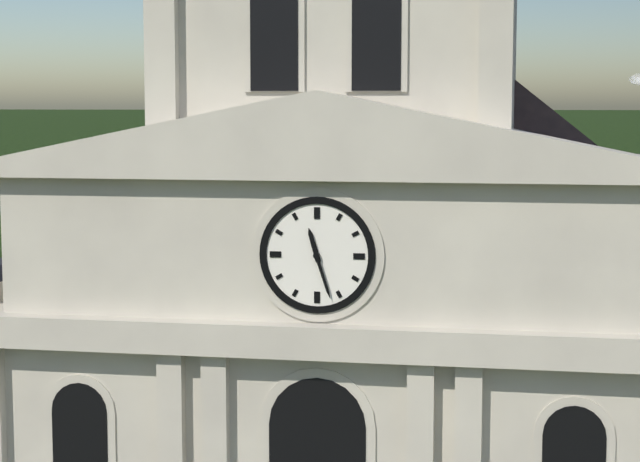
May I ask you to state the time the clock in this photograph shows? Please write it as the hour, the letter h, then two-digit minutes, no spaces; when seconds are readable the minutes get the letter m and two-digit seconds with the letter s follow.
11h27
